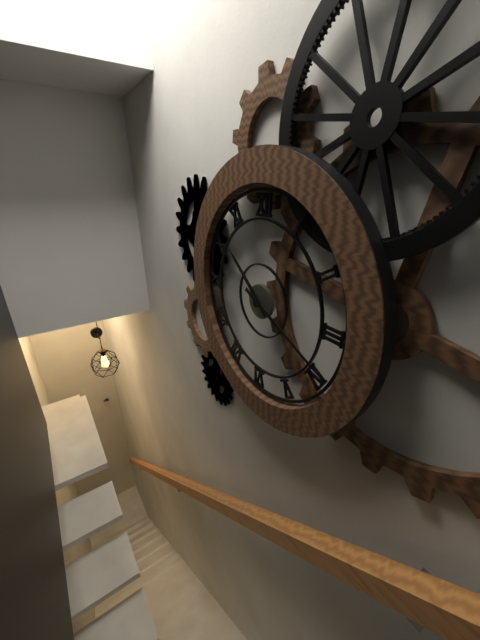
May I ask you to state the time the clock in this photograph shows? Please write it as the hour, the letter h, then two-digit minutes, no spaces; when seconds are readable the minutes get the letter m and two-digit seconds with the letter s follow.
10h19
